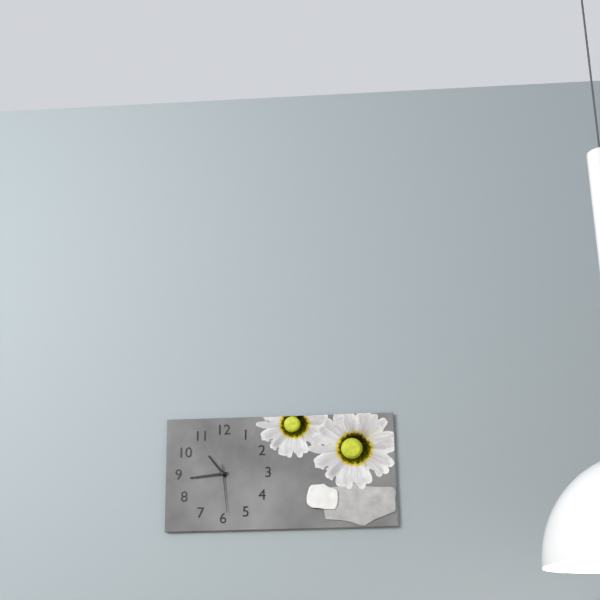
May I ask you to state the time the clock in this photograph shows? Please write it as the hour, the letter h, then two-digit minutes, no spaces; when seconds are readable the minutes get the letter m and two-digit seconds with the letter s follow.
10h44
